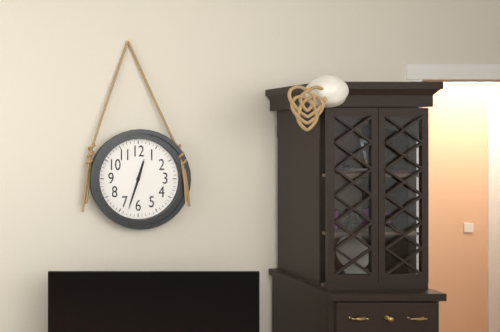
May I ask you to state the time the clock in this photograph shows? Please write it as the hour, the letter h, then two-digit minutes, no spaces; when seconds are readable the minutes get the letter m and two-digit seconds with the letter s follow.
12h33
